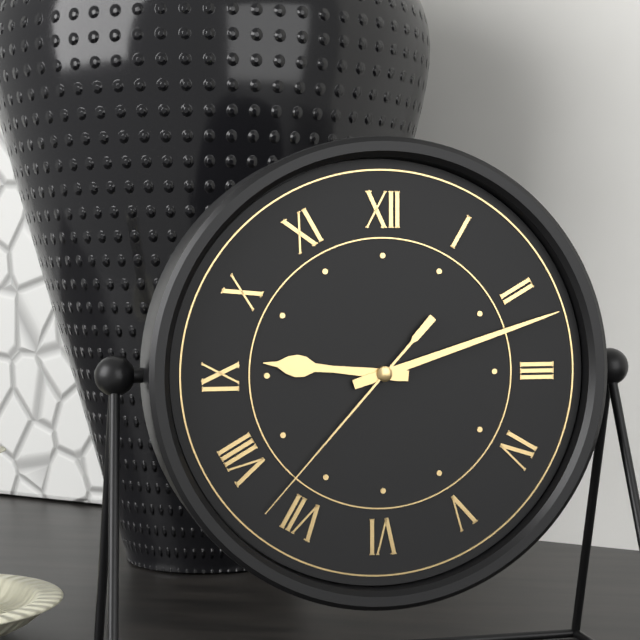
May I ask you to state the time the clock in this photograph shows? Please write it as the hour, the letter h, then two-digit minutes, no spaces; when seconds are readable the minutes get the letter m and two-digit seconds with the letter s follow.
9h12m37s
